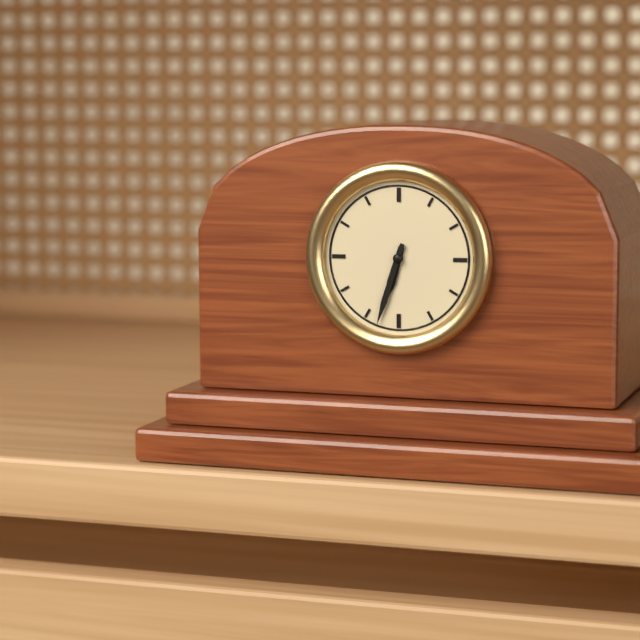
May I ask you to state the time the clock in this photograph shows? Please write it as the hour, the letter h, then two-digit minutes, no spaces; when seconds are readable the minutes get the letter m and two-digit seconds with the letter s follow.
6h33
